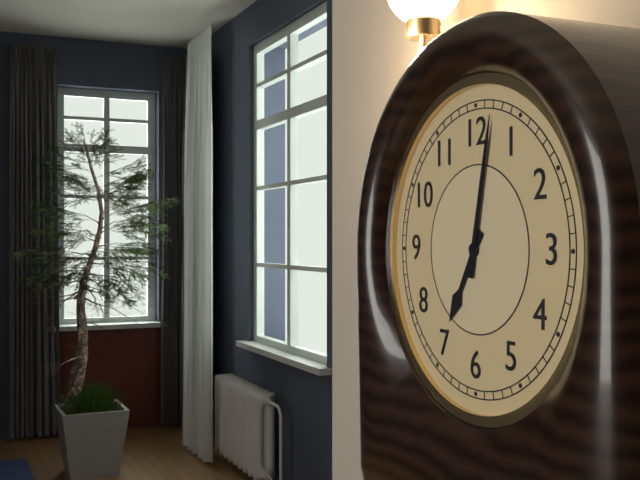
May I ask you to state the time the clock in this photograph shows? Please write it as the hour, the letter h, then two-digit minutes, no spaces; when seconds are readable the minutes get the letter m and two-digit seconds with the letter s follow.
7h02
